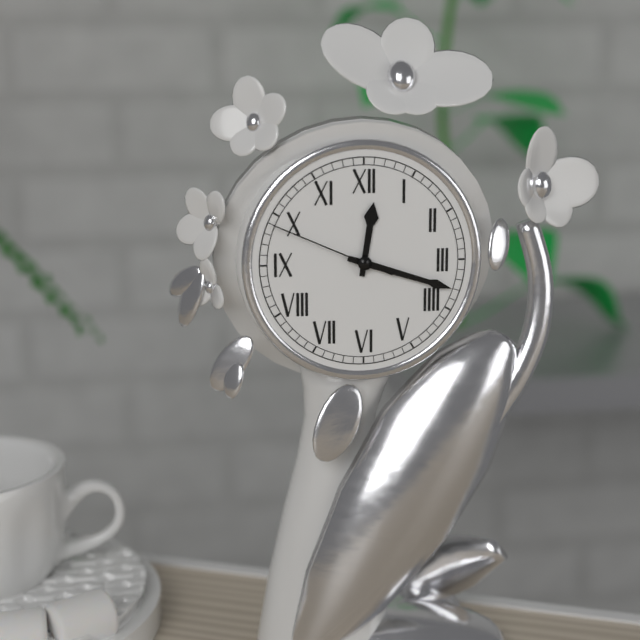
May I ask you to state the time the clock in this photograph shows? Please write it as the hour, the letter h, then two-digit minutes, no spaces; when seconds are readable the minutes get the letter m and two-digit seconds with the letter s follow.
12h18m49s
